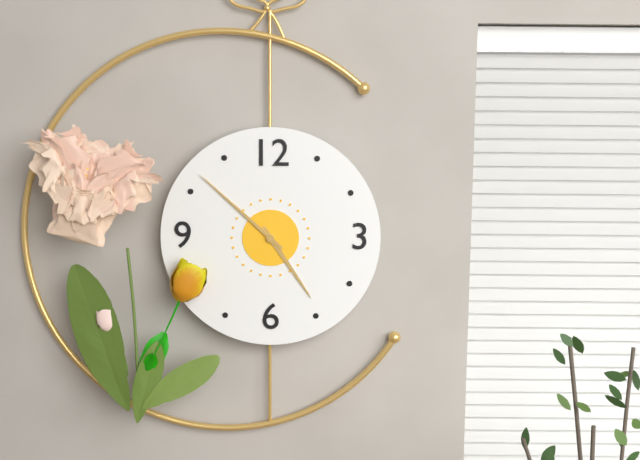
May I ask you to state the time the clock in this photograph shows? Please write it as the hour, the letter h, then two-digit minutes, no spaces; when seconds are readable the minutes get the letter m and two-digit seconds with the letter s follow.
4h52
